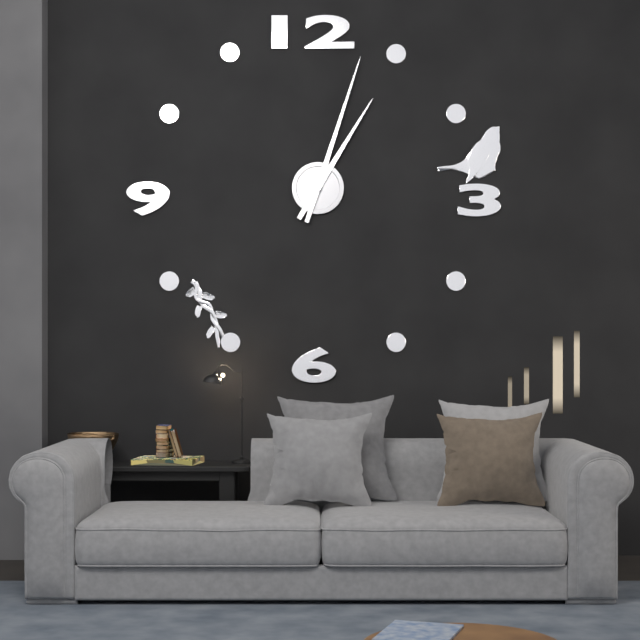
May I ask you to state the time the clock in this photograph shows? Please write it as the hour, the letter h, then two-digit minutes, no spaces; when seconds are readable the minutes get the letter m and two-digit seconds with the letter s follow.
1h03
